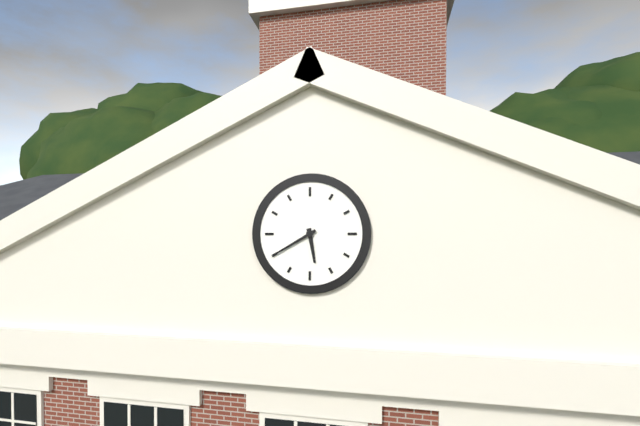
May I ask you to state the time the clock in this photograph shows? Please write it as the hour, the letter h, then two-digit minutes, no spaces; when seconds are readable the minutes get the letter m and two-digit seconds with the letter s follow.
5h40
